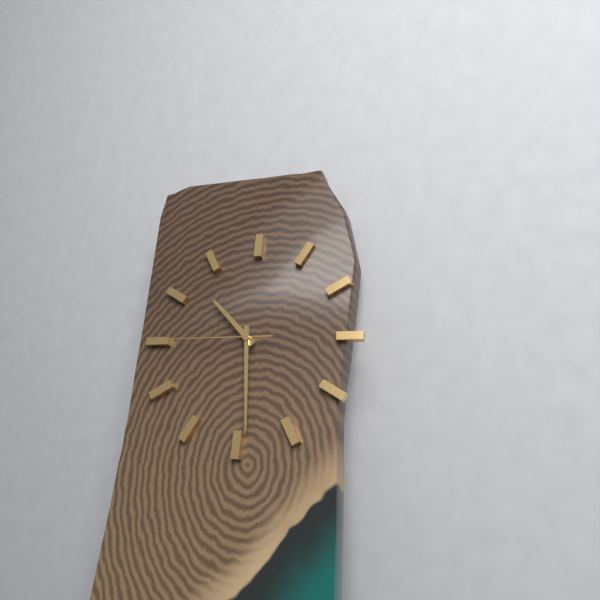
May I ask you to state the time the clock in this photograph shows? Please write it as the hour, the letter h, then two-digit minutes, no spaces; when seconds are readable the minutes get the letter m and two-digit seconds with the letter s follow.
10h29m45s
